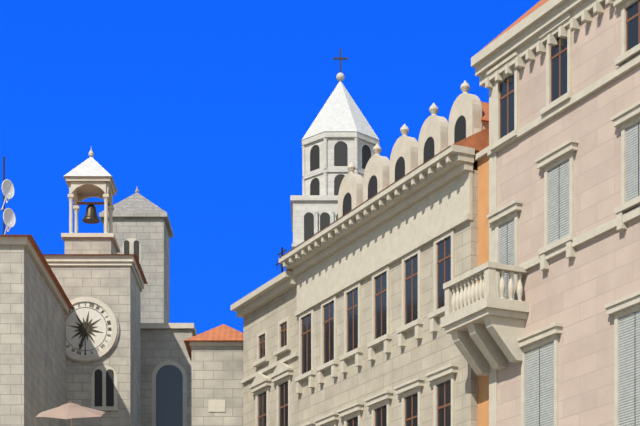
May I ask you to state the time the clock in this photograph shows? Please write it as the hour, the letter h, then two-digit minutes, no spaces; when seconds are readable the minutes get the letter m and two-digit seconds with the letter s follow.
6h30
